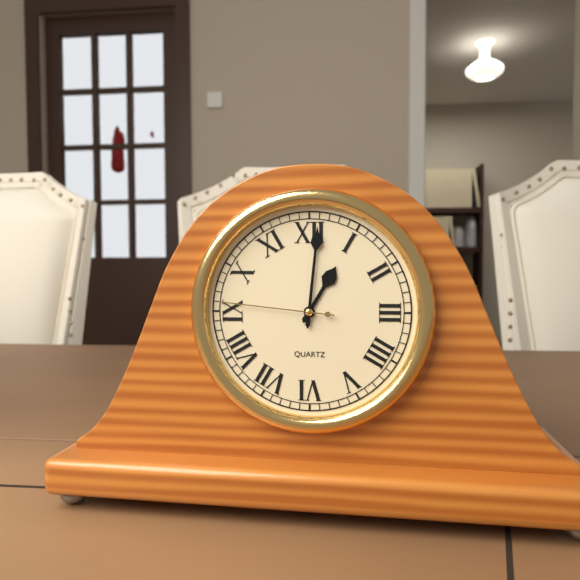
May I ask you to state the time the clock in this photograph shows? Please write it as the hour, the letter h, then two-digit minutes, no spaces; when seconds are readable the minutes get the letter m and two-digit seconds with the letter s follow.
1h01m46s
